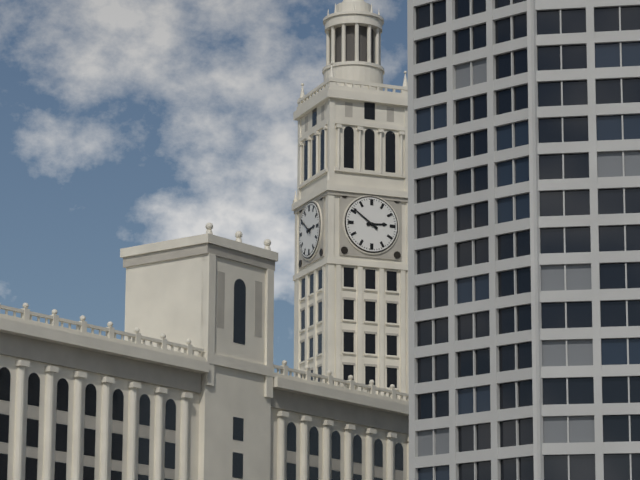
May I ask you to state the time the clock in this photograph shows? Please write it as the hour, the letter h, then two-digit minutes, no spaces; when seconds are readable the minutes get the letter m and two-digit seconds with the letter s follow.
2h51
